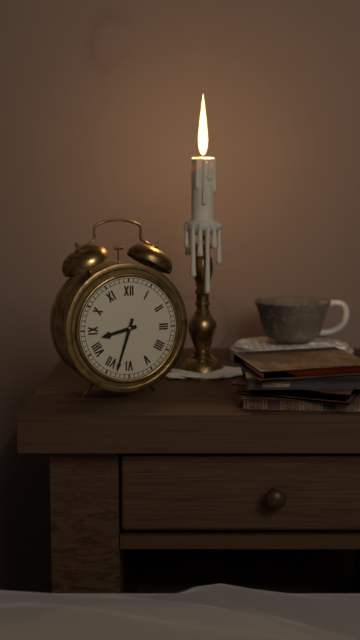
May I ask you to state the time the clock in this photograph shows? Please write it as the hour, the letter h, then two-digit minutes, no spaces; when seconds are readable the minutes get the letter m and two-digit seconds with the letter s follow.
8h33
